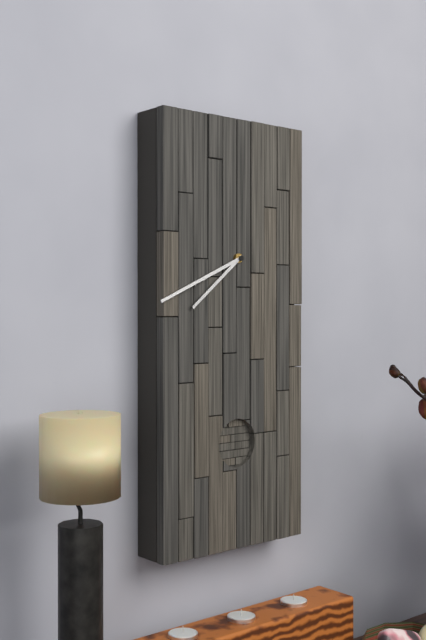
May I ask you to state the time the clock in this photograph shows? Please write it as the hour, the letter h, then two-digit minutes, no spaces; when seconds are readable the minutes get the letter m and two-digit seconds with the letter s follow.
7h41
